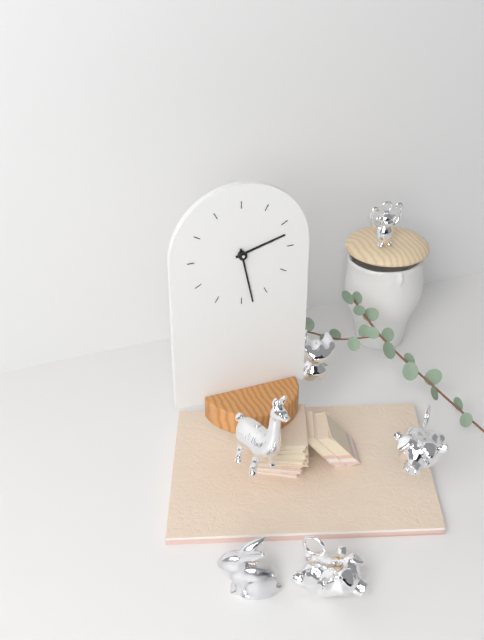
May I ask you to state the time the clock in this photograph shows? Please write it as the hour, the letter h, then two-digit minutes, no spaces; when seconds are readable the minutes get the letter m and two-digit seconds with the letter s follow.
2h28
